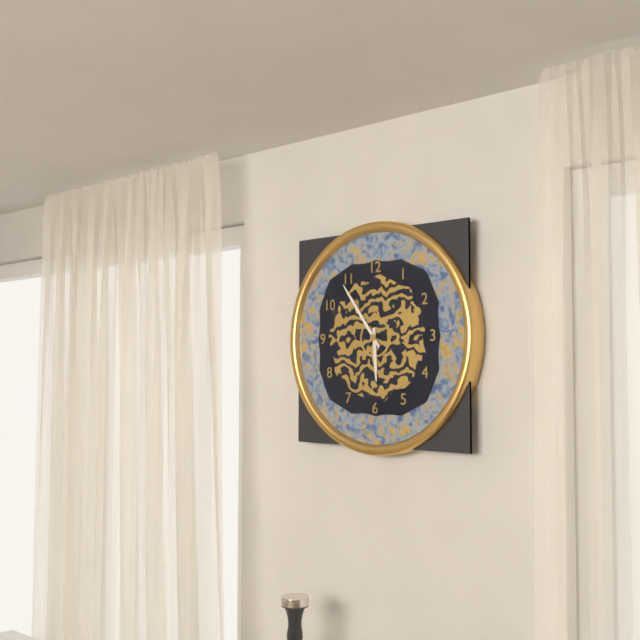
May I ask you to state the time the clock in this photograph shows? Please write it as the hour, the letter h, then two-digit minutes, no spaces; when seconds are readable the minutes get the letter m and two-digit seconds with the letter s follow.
5h54
